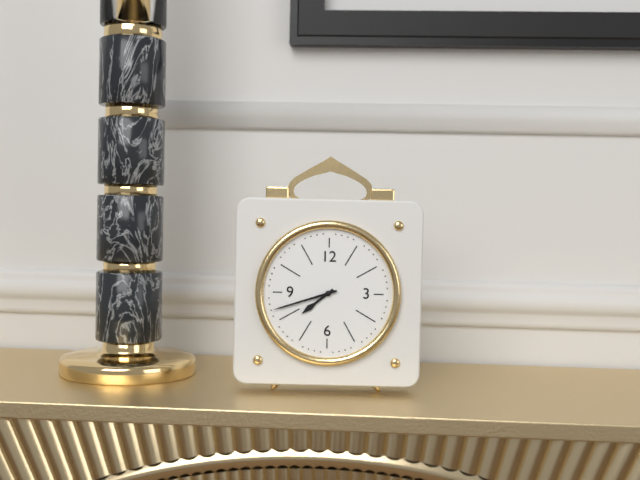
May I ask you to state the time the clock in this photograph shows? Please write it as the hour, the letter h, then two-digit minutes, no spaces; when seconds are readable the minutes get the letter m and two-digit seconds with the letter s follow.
7h42
